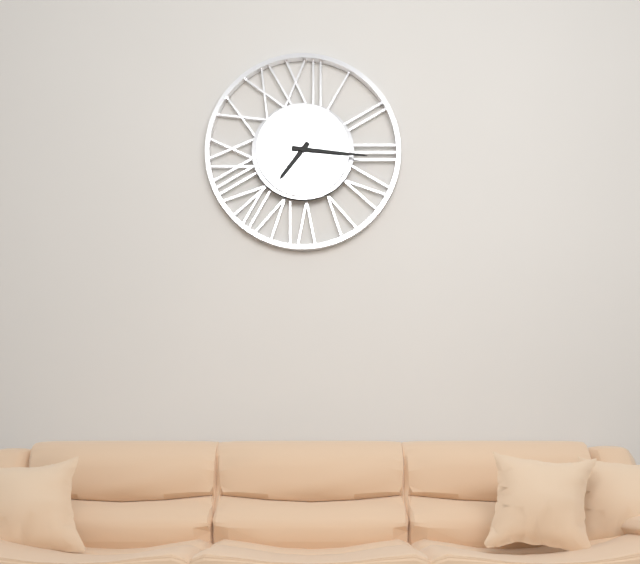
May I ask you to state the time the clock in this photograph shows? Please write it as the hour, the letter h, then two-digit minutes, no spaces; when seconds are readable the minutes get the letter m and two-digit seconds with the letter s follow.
7h16
